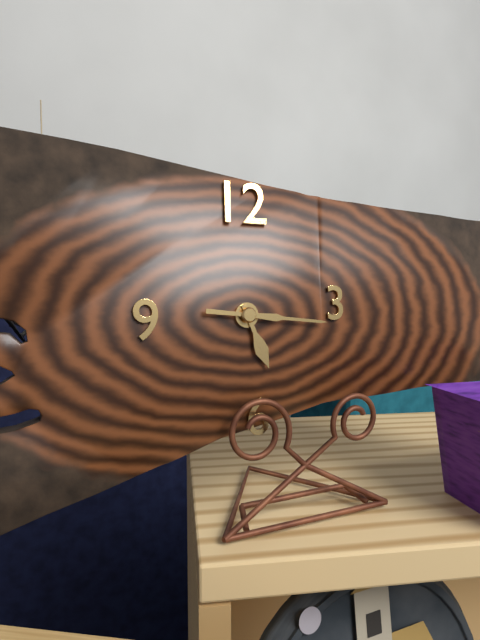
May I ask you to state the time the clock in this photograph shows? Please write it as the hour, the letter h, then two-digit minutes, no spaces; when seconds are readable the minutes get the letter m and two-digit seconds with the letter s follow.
5h16
